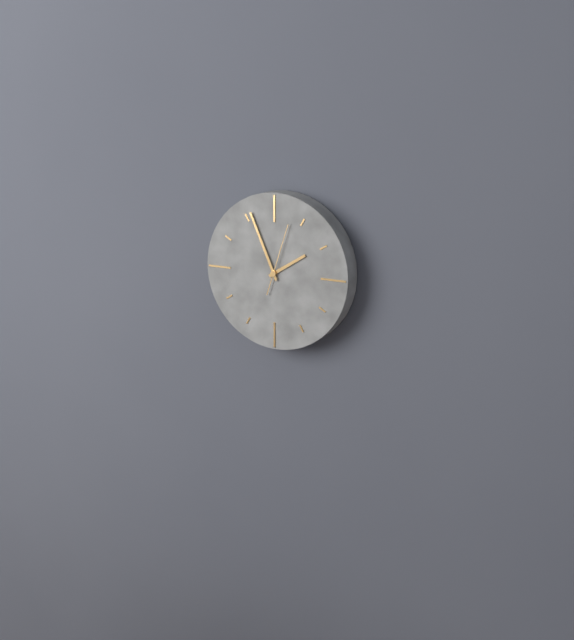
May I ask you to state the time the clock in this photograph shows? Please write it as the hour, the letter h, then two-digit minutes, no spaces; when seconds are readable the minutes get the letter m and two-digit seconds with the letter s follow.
1h56m03s
